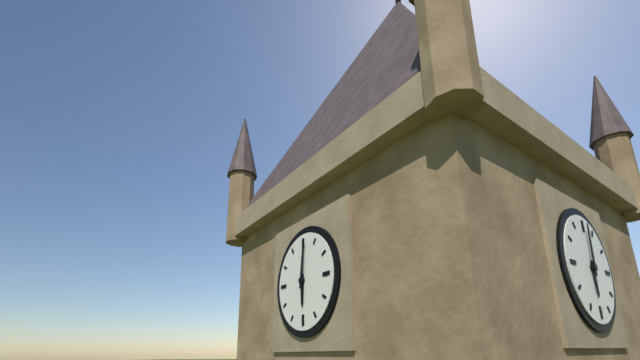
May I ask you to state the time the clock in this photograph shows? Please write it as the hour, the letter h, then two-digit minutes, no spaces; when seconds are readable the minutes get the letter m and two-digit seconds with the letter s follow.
6h01
